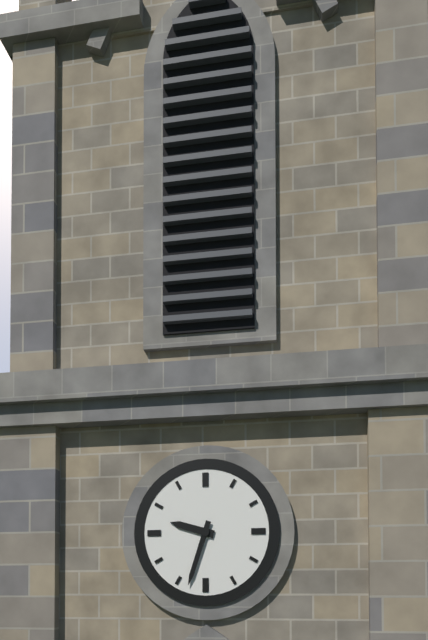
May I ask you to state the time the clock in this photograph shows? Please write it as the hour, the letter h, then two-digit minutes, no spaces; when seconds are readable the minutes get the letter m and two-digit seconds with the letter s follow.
9h33
